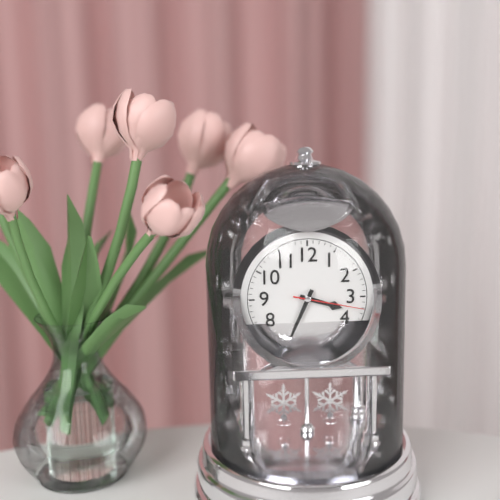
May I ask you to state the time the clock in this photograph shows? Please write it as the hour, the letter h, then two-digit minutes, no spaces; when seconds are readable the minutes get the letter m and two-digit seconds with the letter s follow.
3h34m17s
